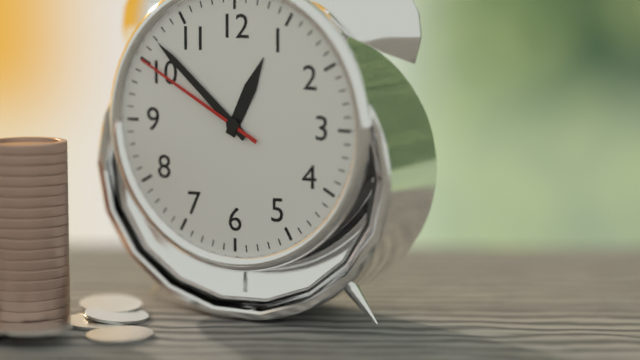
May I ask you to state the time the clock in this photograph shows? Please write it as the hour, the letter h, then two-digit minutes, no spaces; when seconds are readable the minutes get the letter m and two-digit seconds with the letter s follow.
12h52m50s
